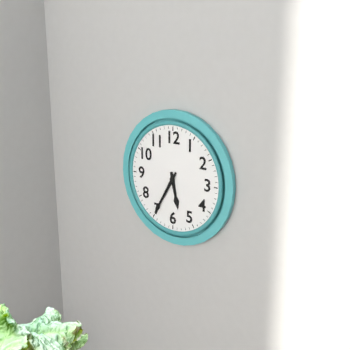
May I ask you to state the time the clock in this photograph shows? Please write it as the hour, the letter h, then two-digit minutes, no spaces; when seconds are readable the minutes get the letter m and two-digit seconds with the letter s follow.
5h35
